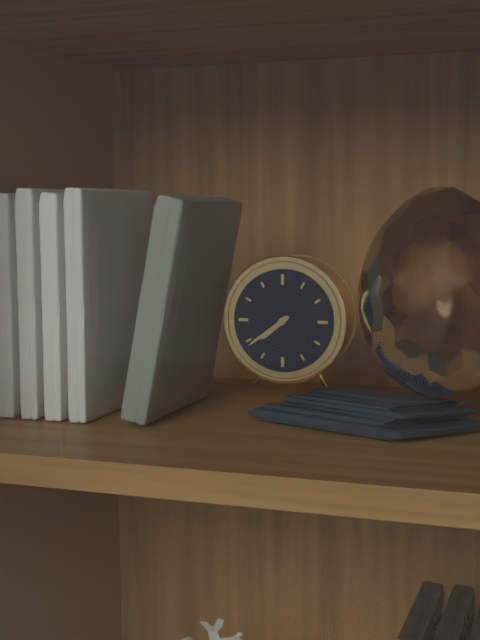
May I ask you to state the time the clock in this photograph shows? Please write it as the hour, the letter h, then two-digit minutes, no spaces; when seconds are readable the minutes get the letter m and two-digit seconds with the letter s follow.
7h39
